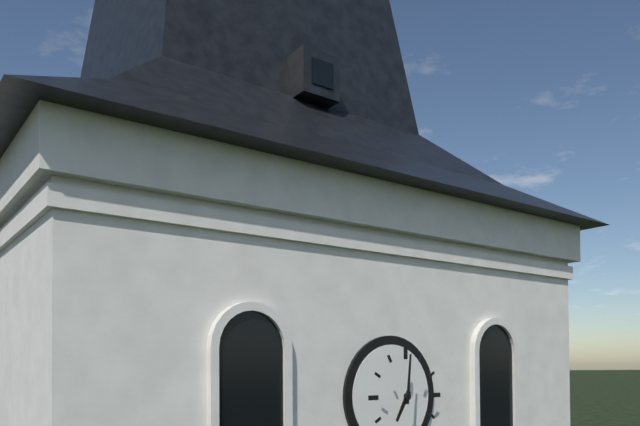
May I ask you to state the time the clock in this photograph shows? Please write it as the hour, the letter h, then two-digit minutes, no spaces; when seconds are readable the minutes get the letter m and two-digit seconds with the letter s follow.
7h01
